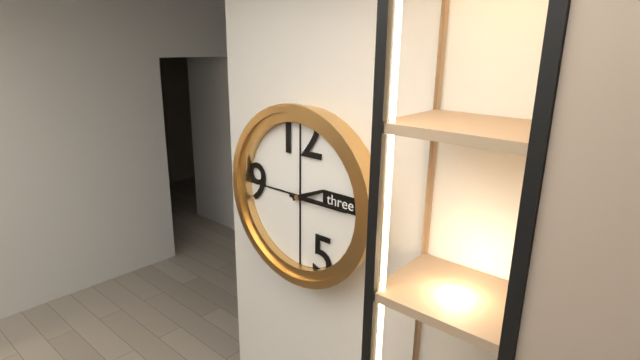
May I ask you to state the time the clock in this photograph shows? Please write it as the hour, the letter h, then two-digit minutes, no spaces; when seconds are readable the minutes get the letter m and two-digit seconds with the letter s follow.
2h15
